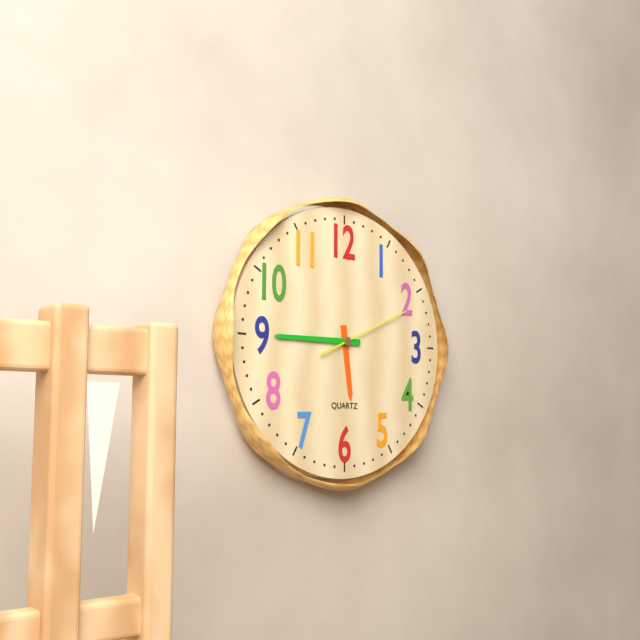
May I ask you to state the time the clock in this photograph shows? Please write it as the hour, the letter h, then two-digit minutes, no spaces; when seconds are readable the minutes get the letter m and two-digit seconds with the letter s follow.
5h45m11s
